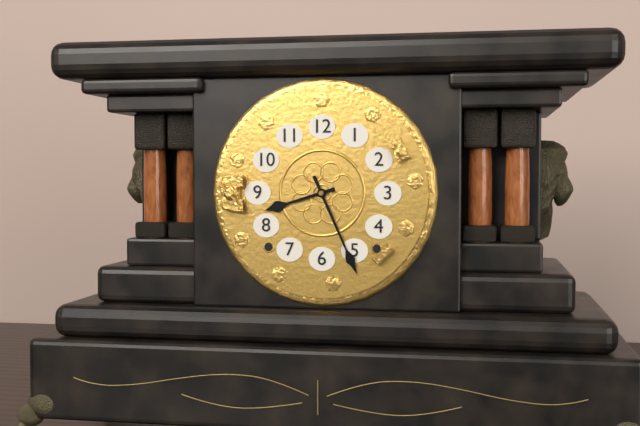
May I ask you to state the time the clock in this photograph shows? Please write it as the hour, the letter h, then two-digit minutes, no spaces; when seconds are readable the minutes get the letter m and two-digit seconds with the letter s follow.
8h26
